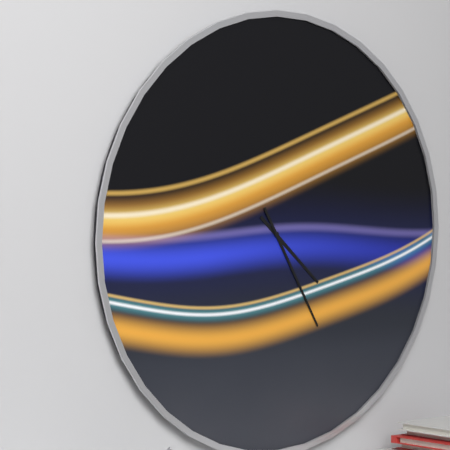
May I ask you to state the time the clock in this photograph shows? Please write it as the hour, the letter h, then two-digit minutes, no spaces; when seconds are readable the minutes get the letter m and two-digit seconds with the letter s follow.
4h25
